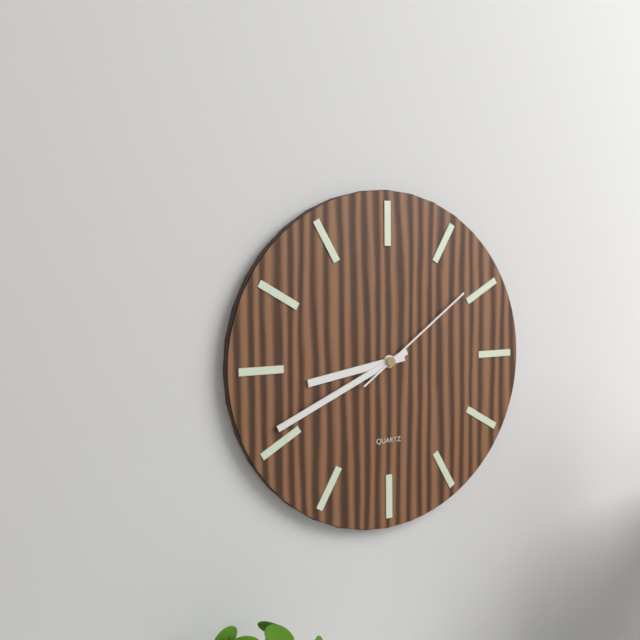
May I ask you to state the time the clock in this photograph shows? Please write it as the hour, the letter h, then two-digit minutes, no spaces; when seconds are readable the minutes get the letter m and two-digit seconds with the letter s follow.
8h41m09s
